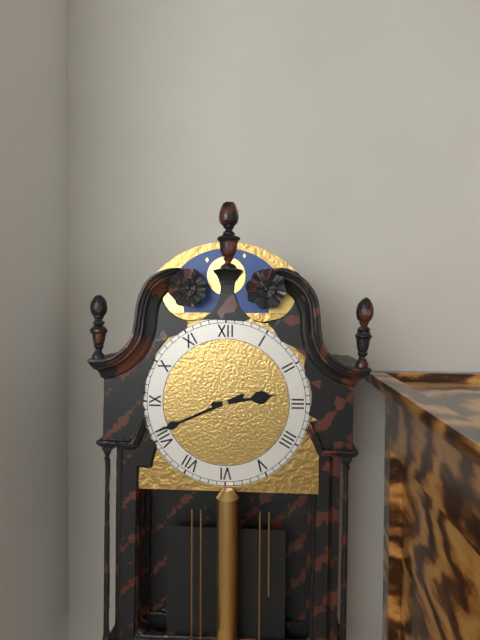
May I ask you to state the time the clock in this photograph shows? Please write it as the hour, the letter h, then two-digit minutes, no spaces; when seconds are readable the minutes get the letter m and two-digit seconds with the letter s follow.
2h41
